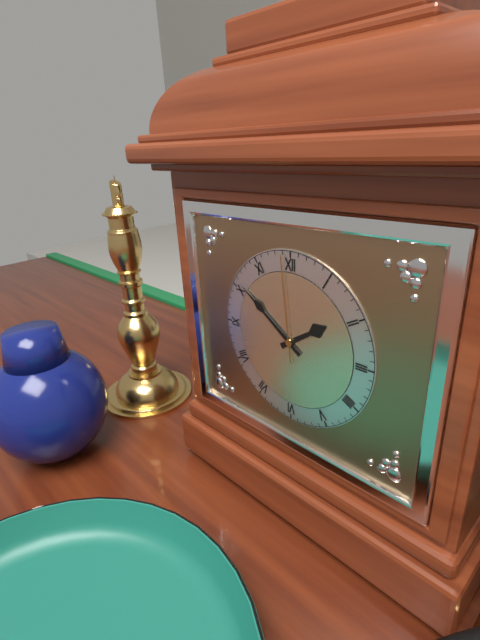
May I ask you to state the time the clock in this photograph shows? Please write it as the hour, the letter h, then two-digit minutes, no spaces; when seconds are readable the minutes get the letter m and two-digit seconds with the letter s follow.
1h51m59s
